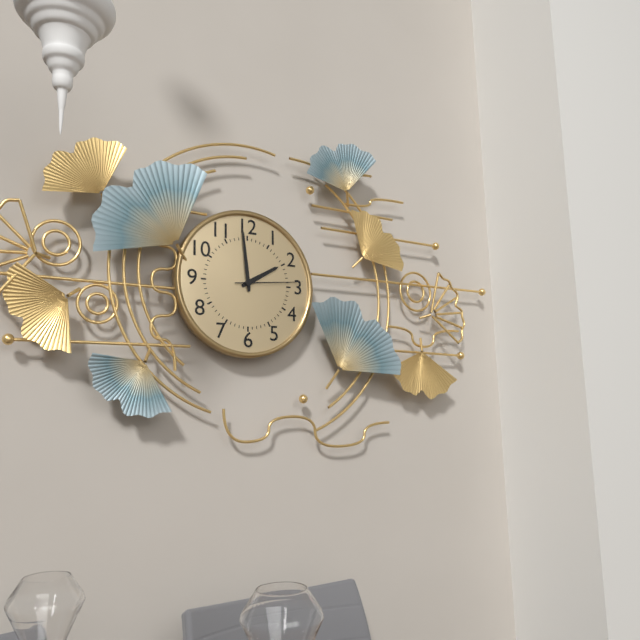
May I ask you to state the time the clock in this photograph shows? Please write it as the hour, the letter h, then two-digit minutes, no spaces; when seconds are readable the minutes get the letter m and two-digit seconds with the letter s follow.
1h59m14s
